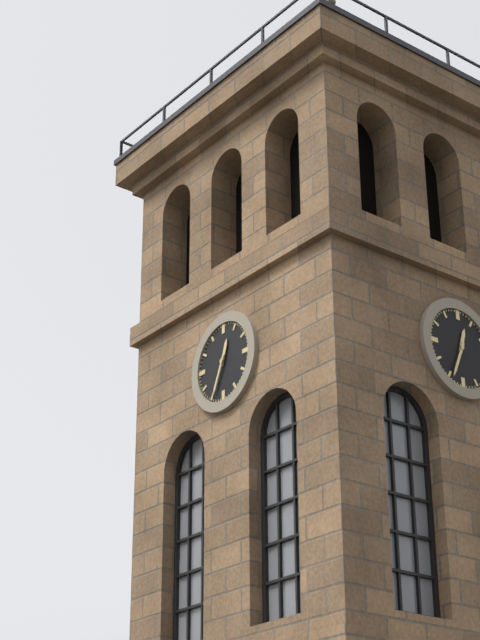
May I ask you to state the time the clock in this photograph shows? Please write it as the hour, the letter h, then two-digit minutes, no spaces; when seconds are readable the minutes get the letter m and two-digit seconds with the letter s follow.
12h34
